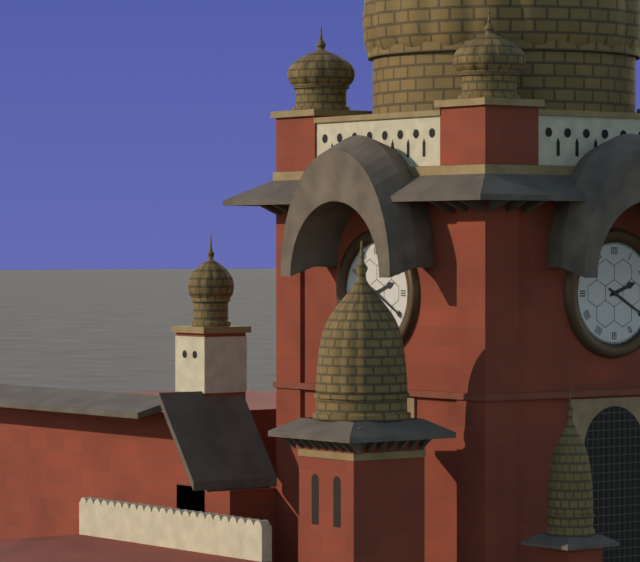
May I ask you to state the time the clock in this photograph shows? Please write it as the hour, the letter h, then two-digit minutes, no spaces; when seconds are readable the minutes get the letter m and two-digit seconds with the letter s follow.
2h20
